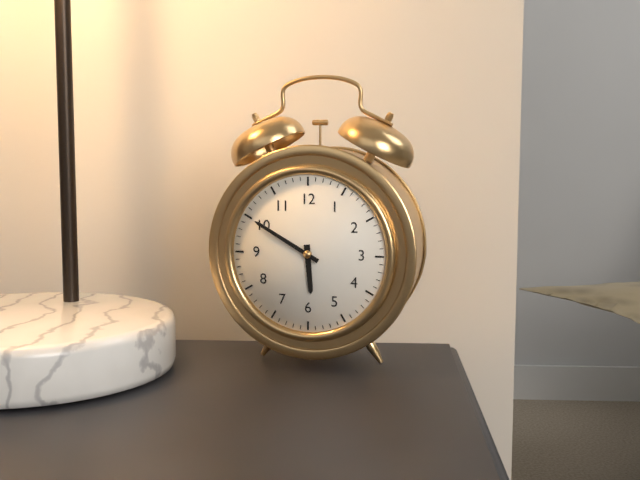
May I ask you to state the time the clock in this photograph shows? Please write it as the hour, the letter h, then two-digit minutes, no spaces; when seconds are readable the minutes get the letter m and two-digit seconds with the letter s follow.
5h50
